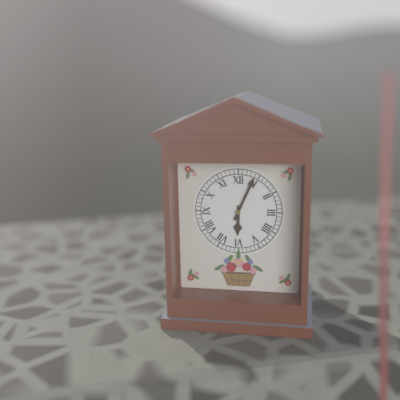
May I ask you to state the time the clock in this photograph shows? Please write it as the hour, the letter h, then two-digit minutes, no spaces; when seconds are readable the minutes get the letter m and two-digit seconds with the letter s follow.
6h04
